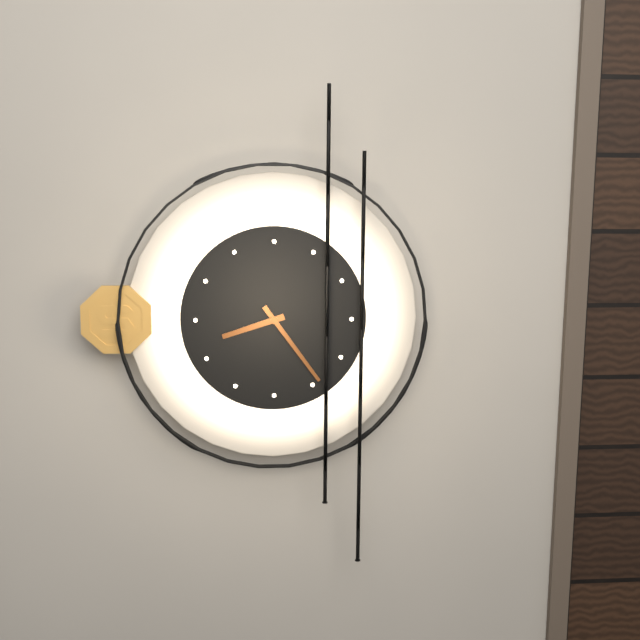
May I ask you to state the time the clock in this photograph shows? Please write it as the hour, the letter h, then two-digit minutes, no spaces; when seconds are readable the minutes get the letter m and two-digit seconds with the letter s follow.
8h24
